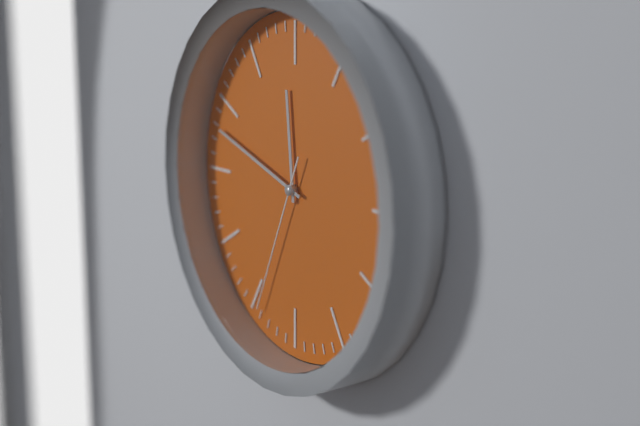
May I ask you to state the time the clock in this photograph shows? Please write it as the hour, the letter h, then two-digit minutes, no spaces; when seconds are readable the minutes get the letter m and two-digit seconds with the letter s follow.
11h48m34s
